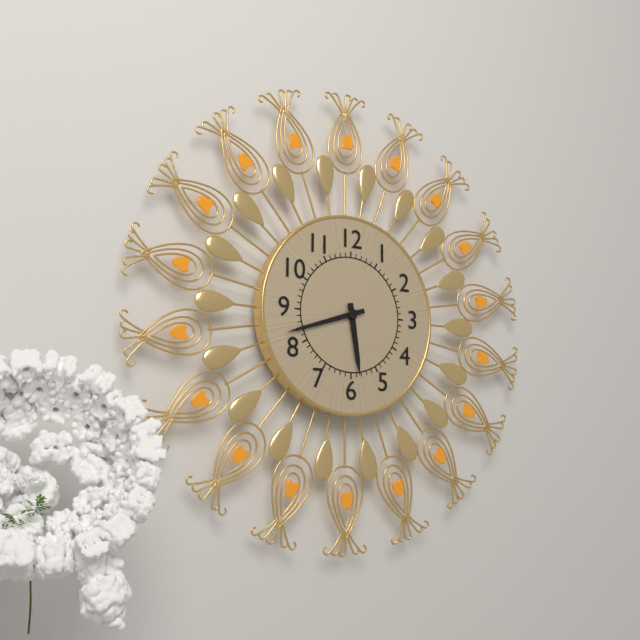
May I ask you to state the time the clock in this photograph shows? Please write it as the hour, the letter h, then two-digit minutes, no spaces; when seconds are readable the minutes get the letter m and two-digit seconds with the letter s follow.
5h42
